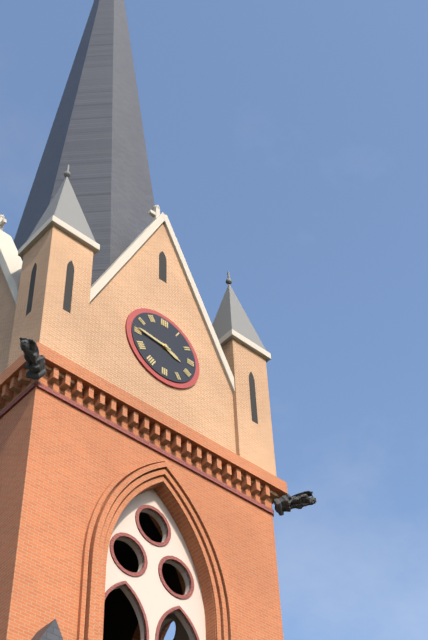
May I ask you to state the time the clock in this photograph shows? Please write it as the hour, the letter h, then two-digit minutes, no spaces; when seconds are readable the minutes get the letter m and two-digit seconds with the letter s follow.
3h46
